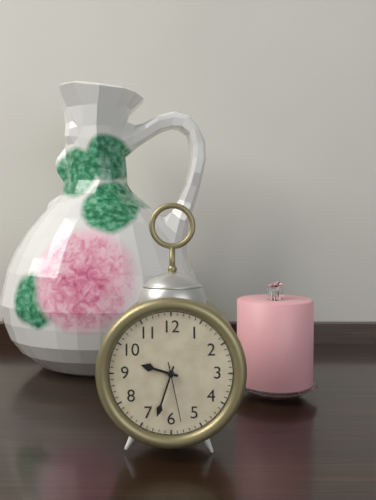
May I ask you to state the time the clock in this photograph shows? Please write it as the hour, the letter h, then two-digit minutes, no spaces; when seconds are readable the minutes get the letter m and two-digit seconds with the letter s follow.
9h33m28s
